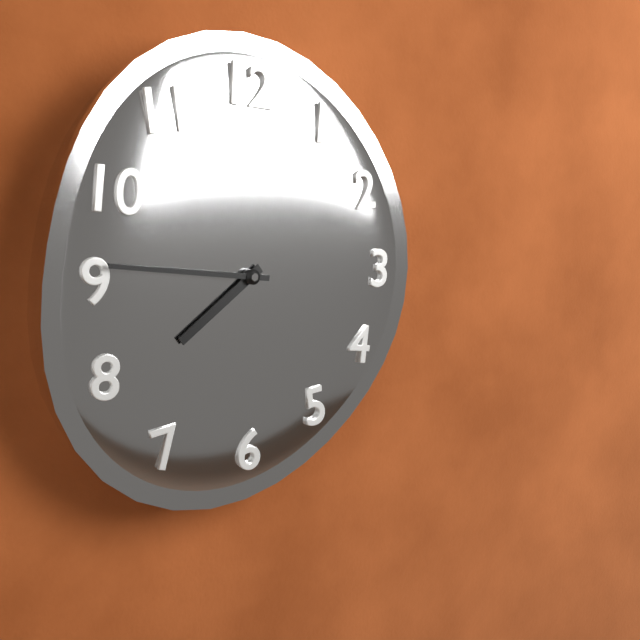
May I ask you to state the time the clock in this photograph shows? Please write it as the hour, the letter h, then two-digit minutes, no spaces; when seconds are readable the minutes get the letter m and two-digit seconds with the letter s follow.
7h46
